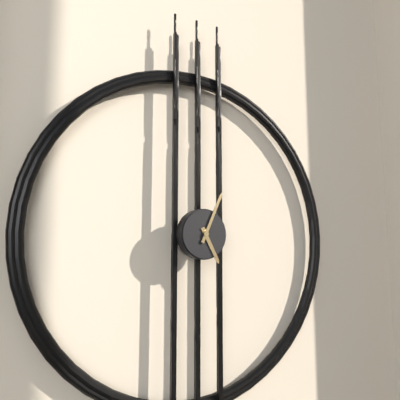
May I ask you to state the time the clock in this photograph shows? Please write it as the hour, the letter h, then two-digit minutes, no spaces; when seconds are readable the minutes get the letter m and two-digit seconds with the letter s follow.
5h04
